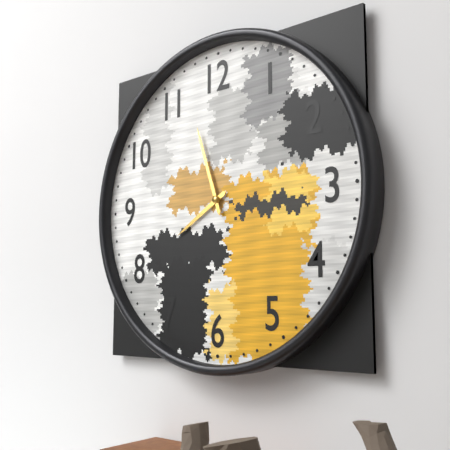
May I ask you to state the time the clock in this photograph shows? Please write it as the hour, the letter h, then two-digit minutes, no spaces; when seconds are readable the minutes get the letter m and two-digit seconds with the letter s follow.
7h57
